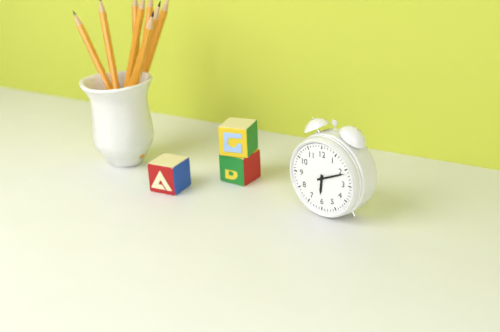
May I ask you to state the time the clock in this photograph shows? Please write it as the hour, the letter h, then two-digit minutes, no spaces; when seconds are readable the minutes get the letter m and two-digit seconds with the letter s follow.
6h11
